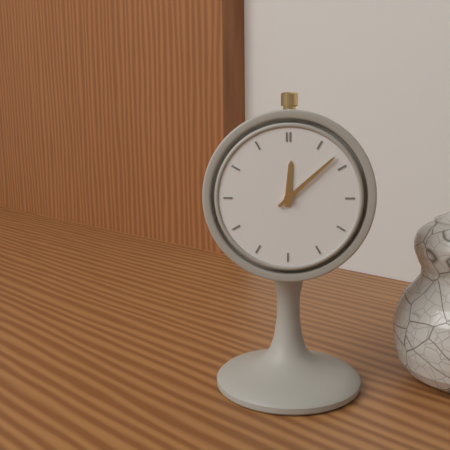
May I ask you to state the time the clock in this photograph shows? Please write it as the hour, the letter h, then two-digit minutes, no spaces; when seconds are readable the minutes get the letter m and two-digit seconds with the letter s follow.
12h08
